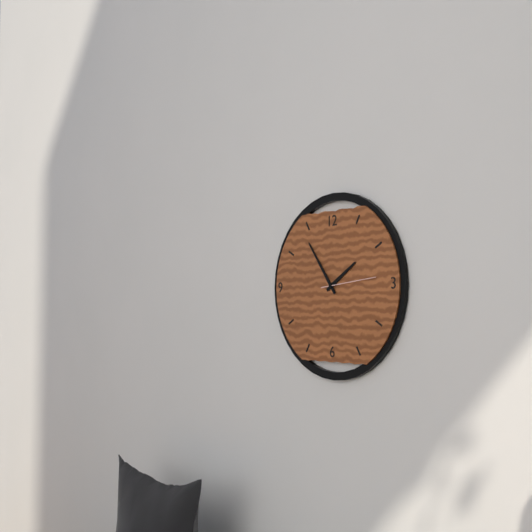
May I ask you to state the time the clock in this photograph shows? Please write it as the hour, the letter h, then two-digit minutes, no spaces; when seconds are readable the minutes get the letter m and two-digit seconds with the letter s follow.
1h54m14s
